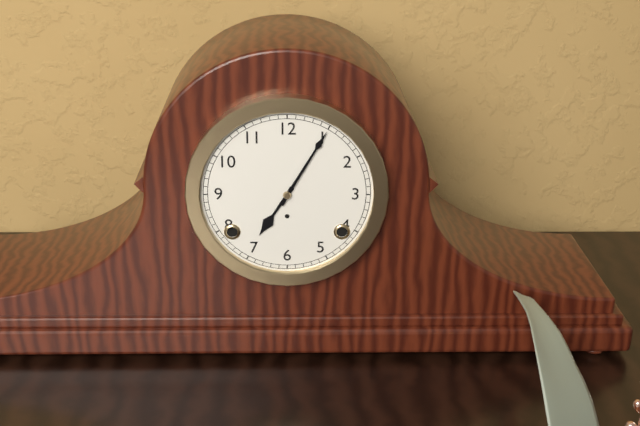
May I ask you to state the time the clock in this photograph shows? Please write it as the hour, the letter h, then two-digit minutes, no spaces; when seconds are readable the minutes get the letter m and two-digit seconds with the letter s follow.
7h05
